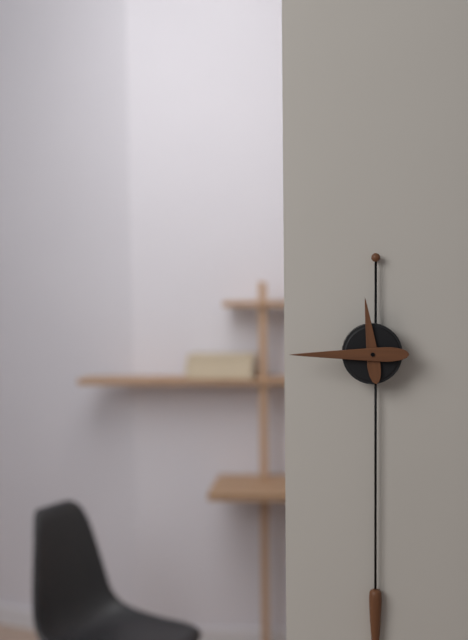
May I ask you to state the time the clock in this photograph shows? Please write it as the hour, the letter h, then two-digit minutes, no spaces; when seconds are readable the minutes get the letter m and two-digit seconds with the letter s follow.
11h45
